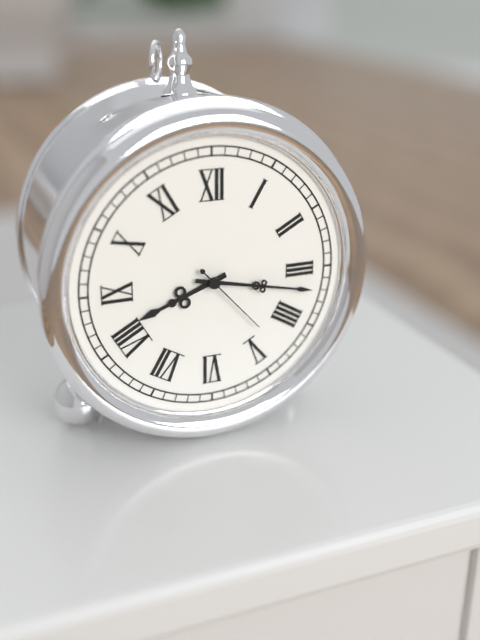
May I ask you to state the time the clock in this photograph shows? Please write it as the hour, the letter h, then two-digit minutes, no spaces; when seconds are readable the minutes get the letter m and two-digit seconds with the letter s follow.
8h17m23s
